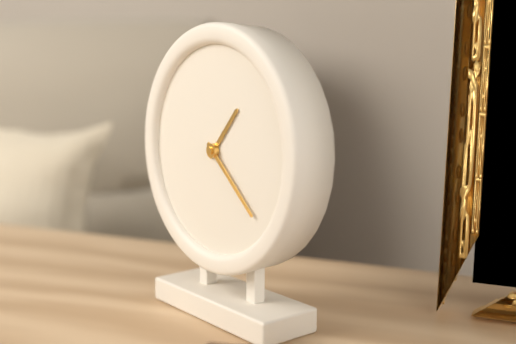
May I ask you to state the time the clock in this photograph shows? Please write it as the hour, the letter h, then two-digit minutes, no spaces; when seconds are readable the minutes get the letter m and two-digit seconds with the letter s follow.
1h22
